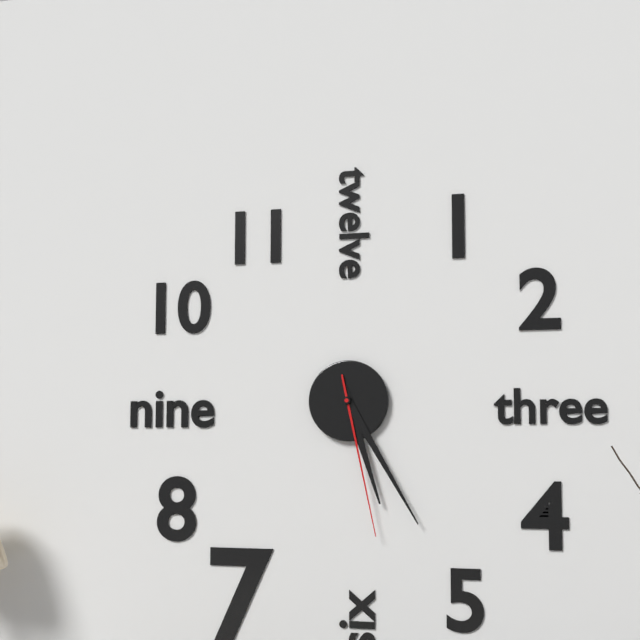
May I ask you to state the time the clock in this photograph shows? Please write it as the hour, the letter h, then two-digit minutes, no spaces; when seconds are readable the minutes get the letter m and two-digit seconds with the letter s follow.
5h25m28s
